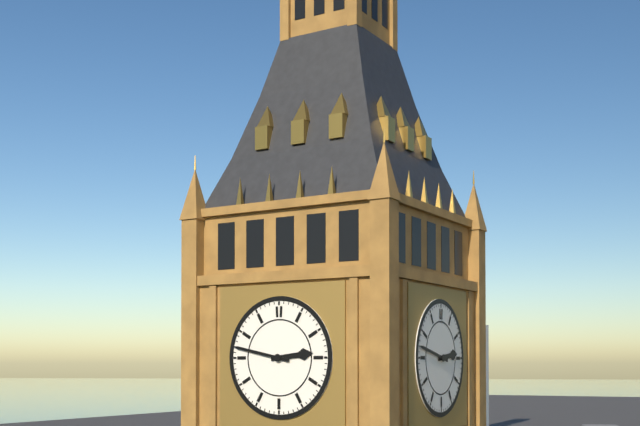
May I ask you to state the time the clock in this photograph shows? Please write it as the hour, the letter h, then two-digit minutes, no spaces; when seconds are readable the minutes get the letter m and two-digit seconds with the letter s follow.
2h47
